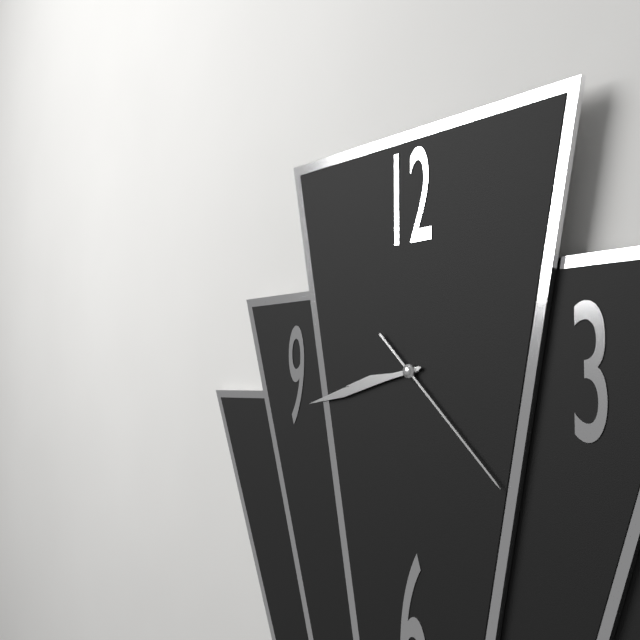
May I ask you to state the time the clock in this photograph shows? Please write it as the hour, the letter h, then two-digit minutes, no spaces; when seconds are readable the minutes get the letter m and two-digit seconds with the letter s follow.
8h43m22s
